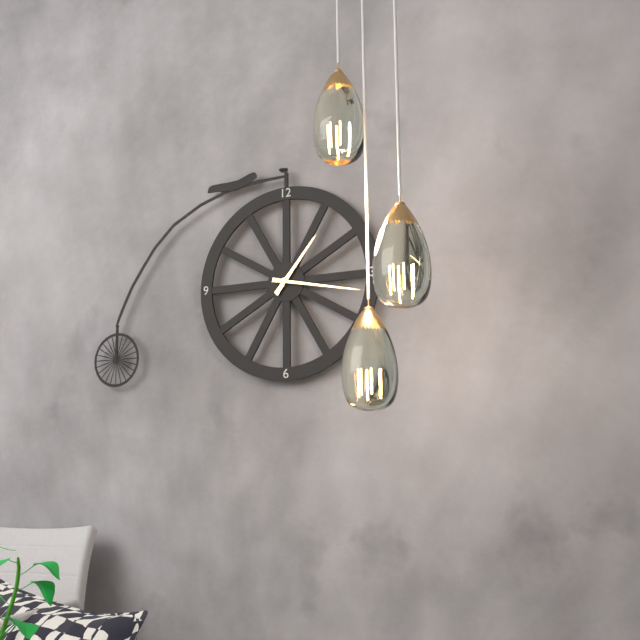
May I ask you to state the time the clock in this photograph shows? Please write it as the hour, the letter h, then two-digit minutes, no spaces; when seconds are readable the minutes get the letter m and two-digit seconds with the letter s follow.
1h17
